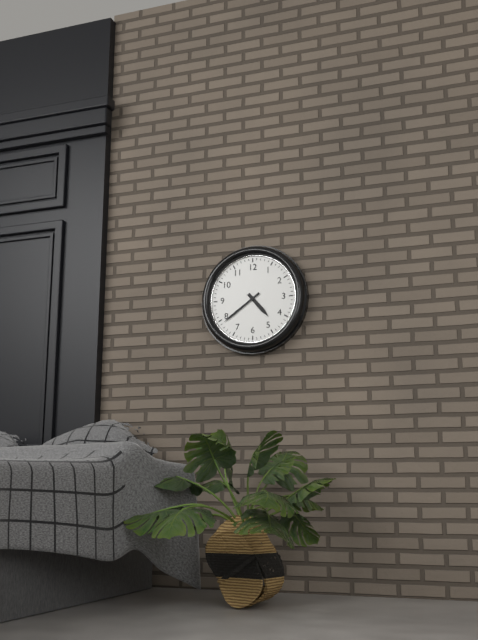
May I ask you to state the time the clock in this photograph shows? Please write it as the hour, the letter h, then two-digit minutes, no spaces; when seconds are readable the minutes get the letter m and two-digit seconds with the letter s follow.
4h39
